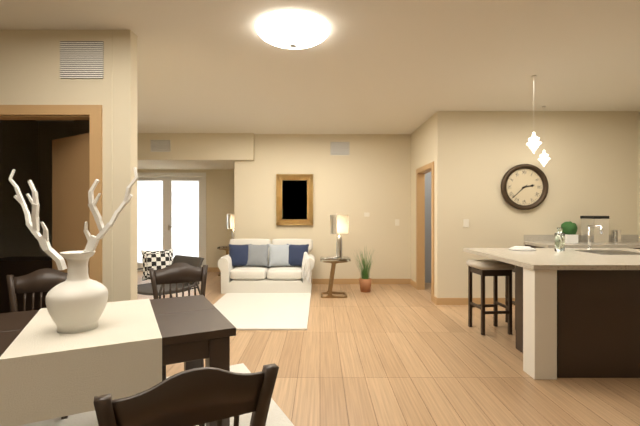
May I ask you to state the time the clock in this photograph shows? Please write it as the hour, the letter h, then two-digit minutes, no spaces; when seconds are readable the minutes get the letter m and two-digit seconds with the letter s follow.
2h38
